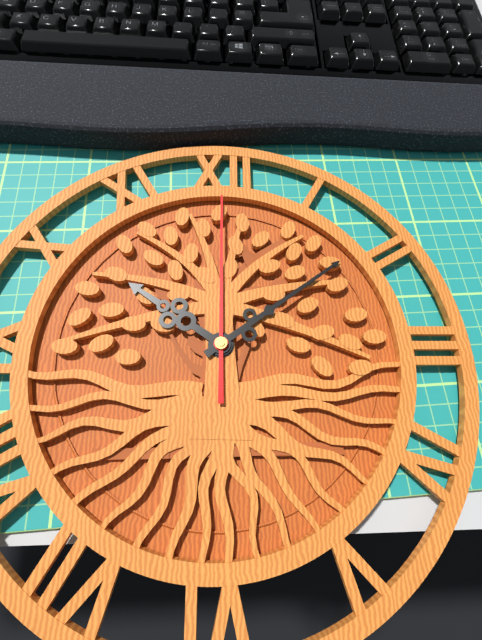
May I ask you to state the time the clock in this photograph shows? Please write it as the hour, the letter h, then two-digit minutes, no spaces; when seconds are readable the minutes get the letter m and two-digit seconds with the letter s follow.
10h09m00s
